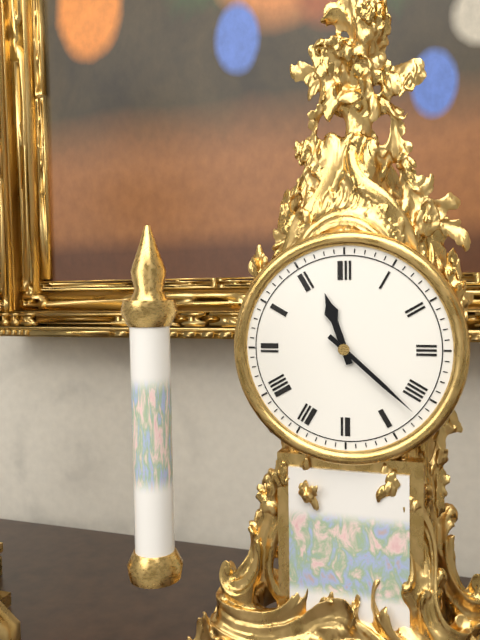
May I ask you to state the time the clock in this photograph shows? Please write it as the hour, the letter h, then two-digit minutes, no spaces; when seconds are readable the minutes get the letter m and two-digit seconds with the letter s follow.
11h22
